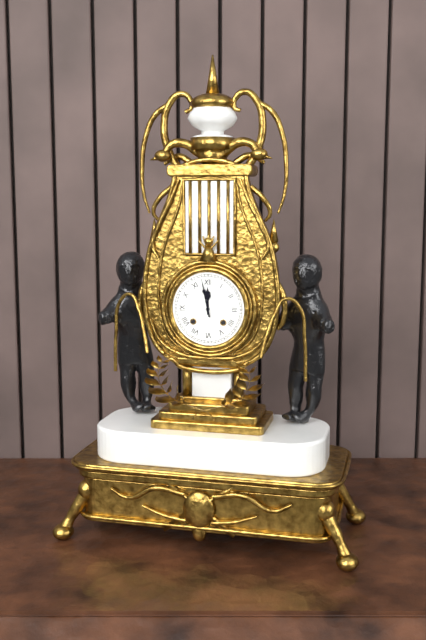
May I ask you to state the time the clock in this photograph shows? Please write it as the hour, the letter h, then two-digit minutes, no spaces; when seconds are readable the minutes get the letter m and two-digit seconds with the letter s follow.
11h58
